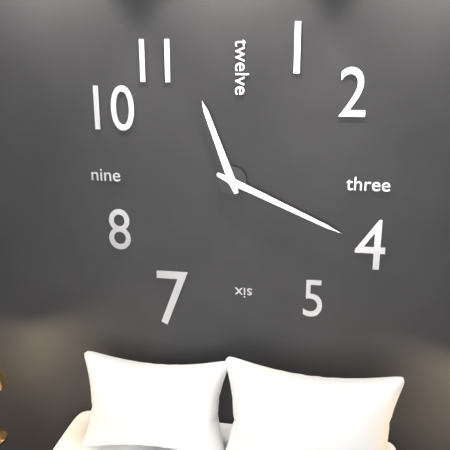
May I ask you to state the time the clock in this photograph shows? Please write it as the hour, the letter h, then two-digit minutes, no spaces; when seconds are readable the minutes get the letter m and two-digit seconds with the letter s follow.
11h19
